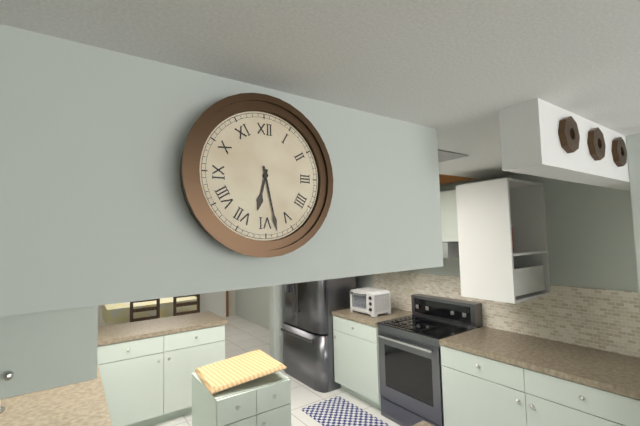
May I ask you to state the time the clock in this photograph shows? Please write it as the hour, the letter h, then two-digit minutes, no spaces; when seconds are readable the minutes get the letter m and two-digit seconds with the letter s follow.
6h28
